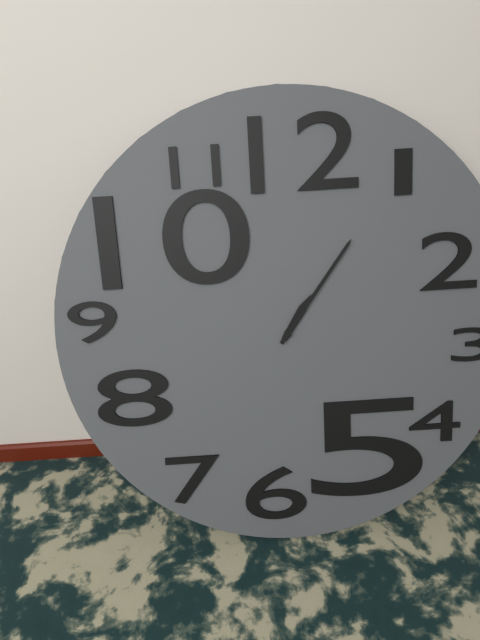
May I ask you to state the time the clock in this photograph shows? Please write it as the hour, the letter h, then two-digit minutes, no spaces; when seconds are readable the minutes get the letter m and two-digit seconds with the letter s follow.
1h06
